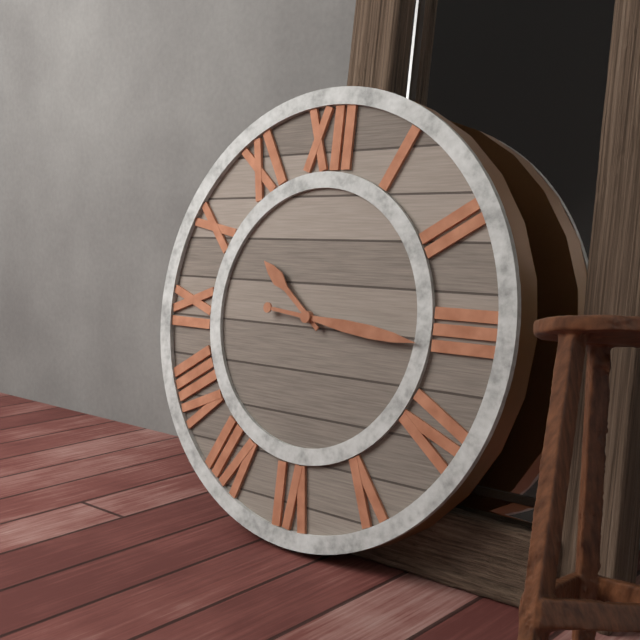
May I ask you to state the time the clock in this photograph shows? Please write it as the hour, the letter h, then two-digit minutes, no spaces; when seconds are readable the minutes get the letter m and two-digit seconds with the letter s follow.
10h16
